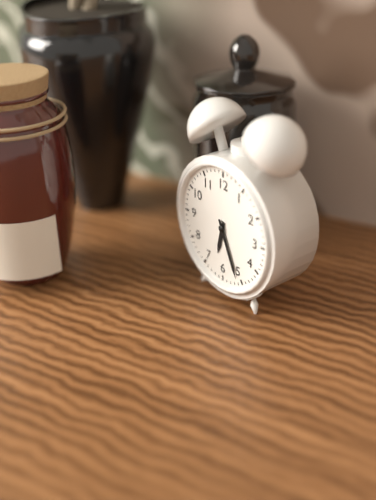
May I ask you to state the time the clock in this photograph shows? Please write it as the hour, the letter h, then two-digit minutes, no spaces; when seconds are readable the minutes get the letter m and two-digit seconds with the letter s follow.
6h26
